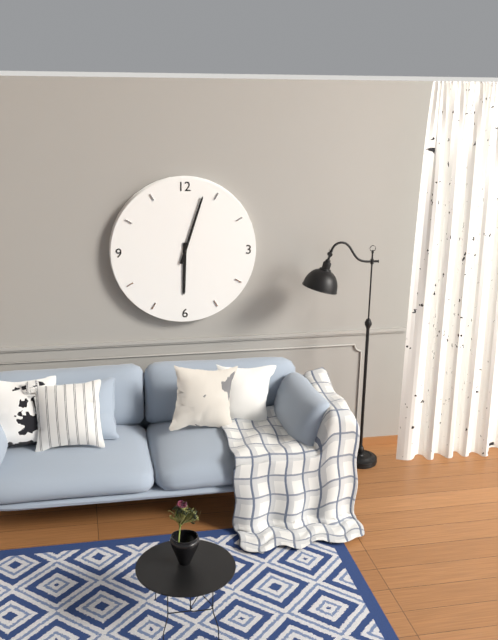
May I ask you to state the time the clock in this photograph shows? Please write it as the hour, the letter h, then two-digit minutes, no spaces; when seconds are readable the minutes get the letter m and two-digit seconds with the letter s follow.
6h03
